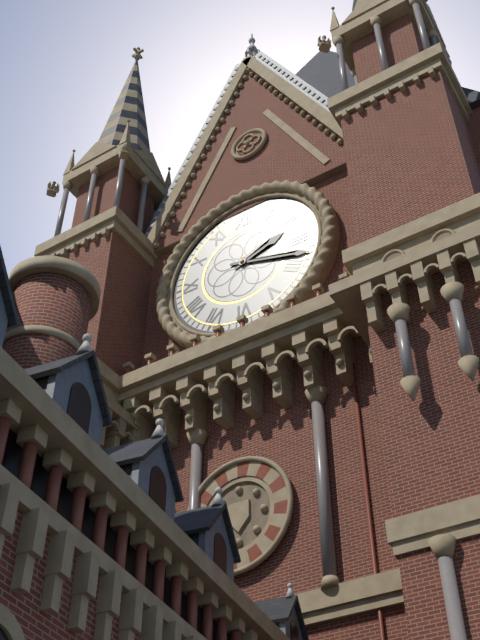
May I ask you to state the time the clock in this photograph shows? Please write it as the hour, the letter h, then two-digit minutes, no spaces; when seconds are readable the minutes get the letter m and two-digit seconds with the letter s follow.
2h18
